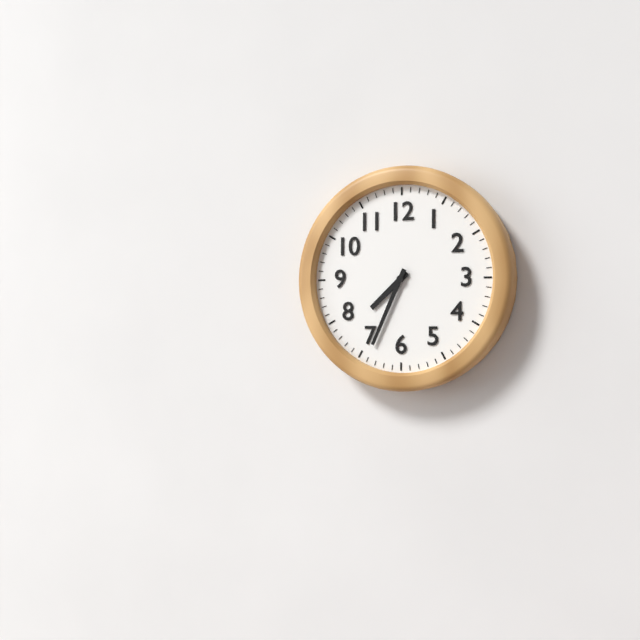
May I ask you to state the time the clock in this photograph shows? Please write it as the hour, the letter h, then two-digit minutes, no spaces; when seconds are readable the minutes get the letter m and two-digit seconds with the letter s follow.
7h34
